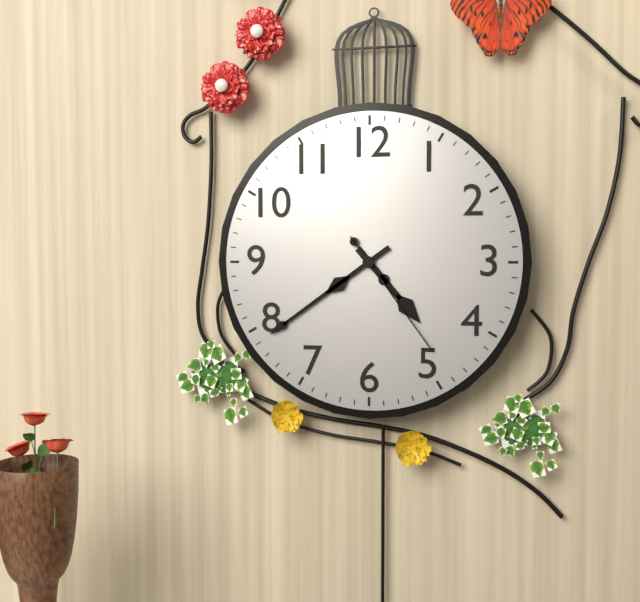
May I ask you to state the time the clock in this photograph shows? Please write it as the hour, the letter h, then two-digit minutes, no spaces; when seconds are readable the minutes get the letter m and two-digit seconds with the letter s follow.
4h39m24s
